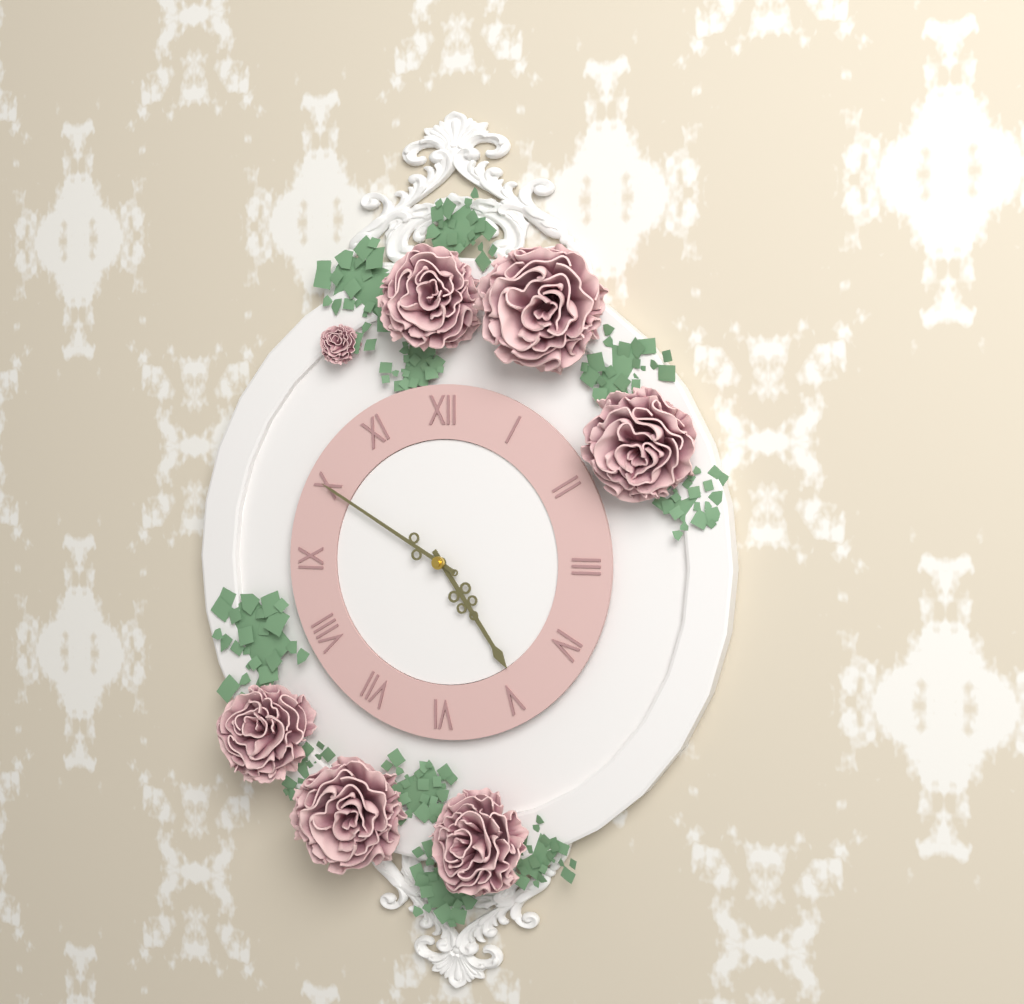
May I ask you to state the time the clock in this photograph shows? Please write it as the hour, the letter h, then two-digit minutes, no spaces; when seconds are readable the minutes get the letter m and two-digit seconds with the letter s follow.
4h50
